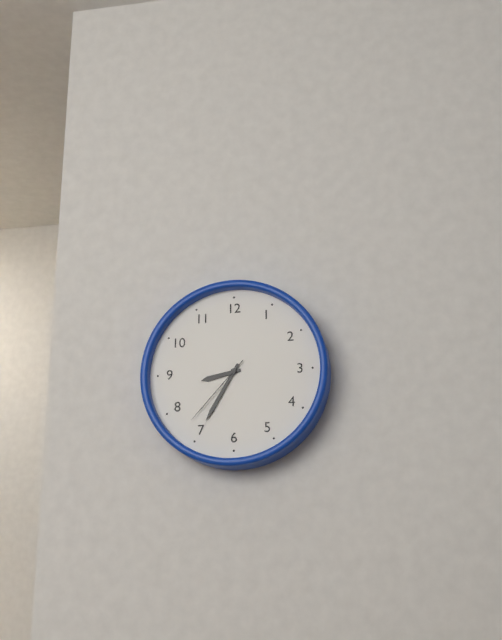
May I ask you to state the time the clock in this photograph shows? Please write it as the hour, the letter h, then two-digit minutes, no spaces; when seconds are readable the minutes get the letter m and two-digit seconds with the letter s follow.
8h35m37s
